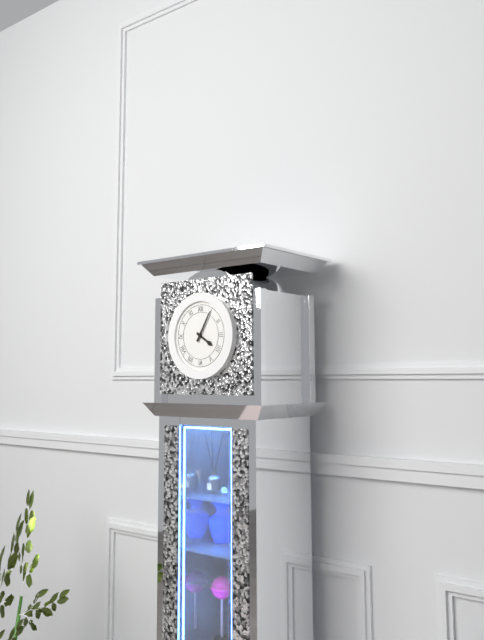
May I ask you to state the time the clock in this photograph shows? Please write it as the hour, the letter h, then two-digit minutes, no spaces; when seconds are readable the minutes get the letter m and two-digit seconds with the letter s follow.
4h05
